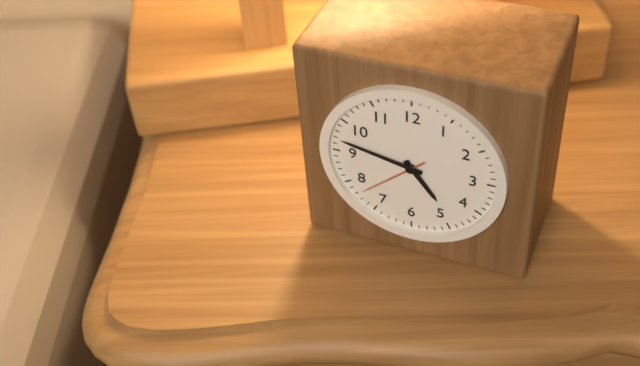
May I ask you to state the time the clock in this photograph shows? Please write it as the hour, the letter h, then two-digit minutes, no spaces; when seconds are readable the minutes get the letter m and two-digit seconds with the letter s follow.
4h47m38s
